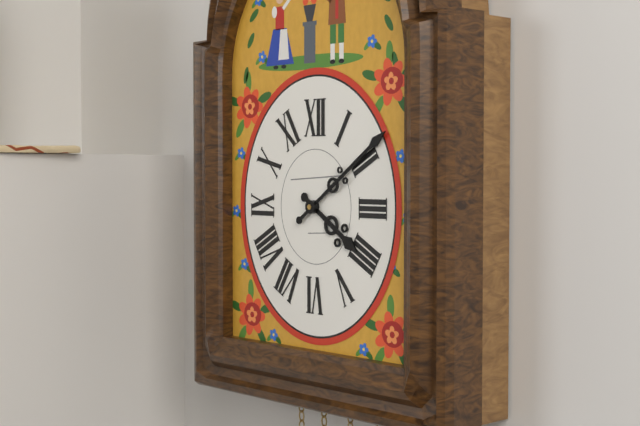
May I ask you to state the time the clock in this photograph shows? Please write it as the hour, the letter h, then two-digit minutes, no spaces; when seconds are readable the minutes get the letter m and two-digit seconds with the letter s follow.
4h09
